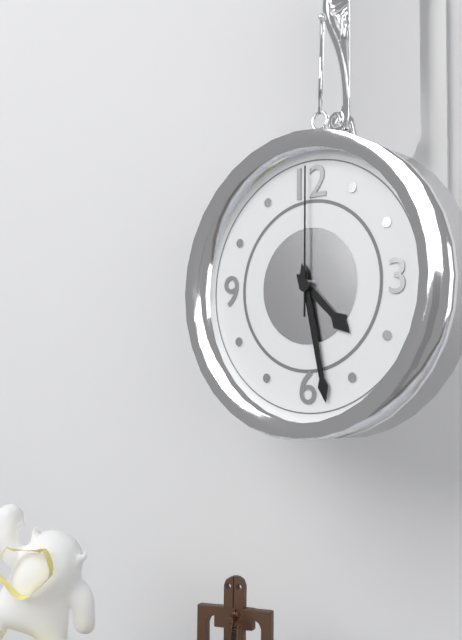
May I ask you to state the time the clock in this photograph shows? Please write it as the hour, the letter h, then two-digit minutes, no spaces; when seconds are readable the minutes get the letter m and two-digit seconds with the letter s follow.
4h28m00s
